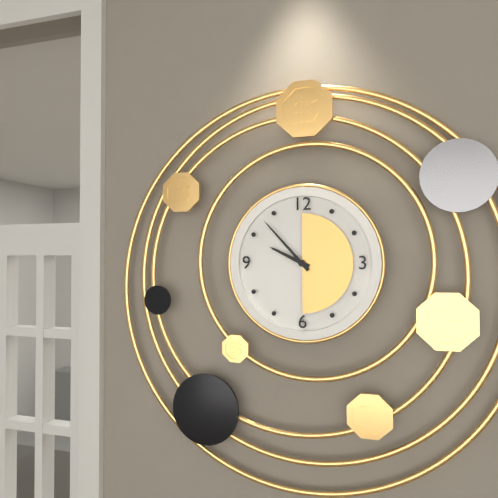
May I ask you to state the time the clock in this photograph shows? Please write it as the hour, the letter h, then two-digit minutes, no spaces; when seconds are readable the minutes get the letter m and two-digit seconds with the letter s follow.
9h53
